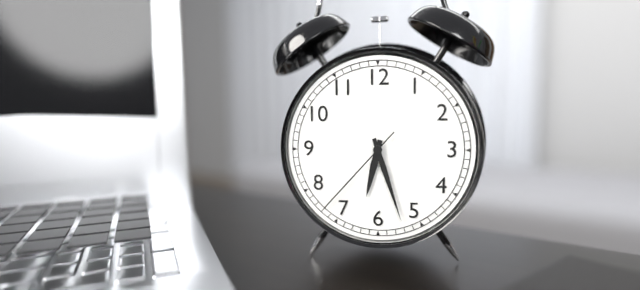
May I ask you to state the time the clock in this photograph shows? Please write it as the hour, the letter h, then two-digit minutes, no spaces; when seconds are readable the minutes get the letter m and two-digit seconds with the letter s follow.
6h27m37s
